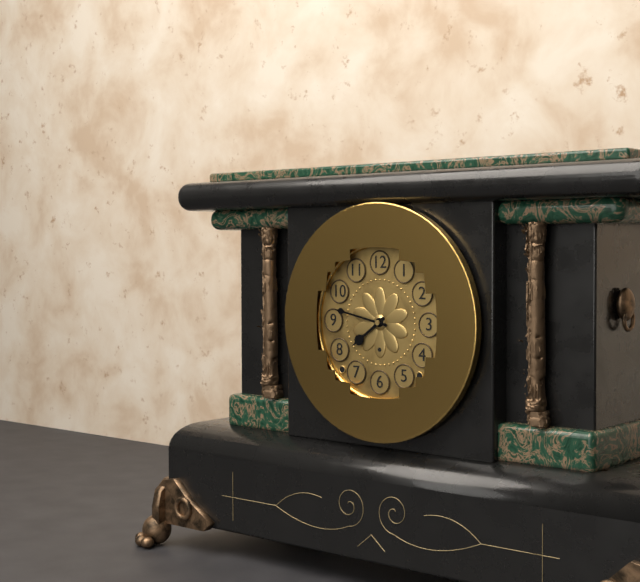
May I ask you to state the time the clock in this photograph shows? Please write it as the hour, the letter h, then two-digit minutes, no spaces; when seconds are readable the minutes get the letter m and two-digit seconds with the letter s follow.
7h47
